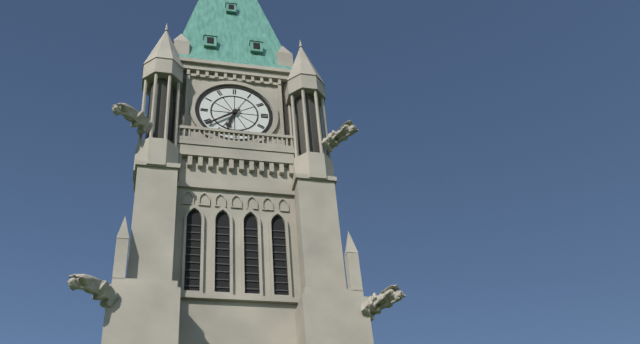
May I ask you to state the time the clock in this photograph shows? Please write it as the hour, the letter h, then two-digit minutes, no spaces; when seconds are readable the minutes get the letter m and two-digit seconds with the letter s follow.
6h39
